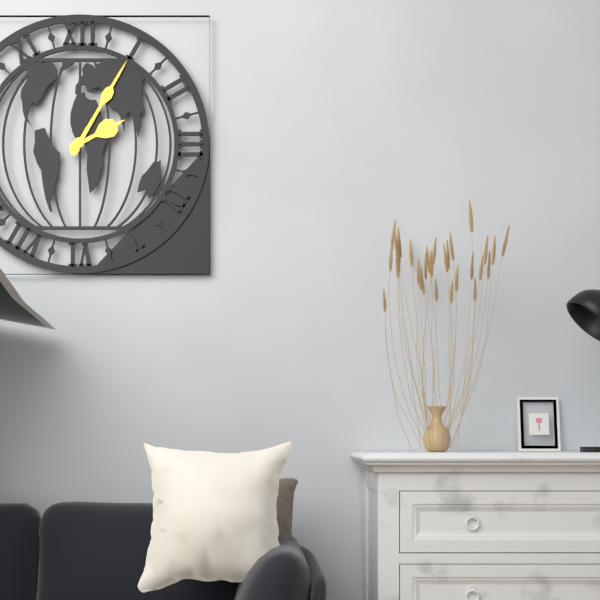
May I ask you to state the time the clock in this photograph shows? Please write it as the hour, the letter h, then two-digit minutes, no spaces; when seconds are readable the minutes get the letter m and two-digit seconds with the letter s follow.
2h05
